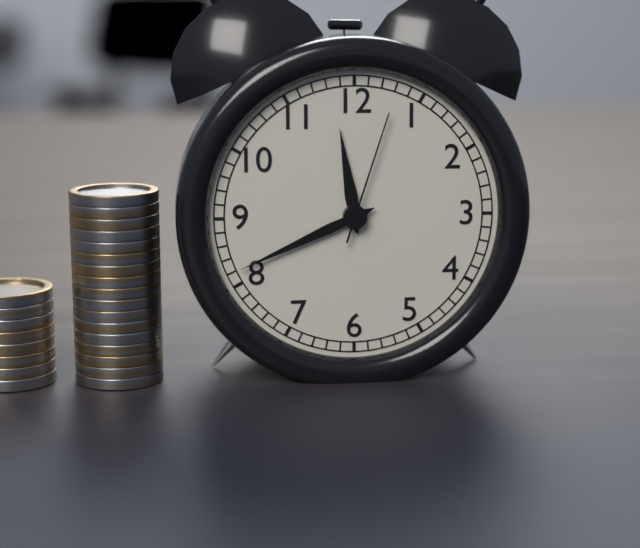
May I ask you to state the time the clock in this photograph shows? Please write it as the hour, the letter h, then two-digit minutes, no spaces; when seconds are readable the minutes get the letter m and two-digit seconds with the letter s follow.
11h41m03s
